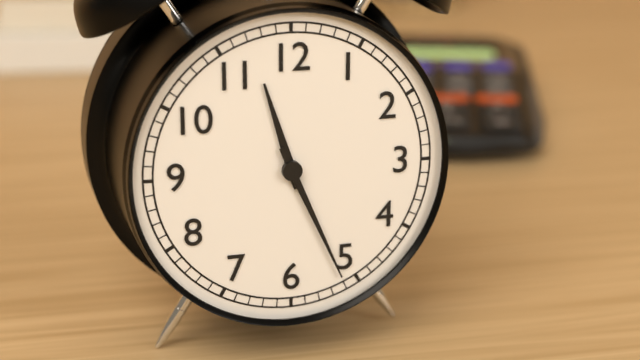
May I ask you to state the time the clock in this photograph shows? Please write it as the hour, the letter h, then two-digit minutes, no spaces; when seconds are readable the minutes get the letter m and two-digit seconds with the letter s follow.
11h26
